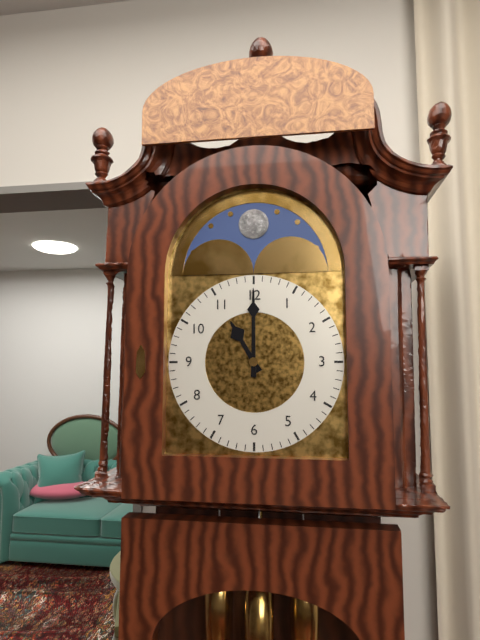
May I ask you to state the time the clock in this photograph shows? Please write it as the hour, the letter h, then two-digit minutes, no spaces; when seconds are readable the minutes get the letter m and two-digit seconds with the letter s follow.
11h00
